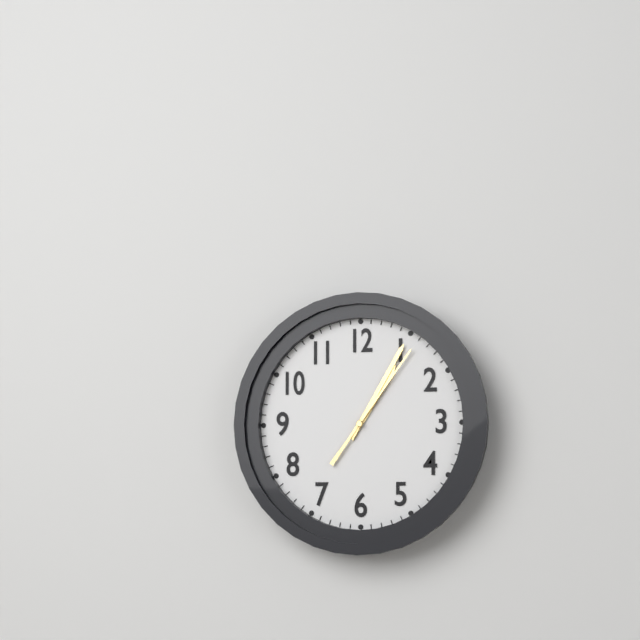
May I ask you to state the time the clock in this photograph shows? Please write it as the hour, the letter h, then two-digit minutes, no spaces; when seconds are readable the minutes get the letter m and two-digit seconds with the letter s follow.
1h05m06s
